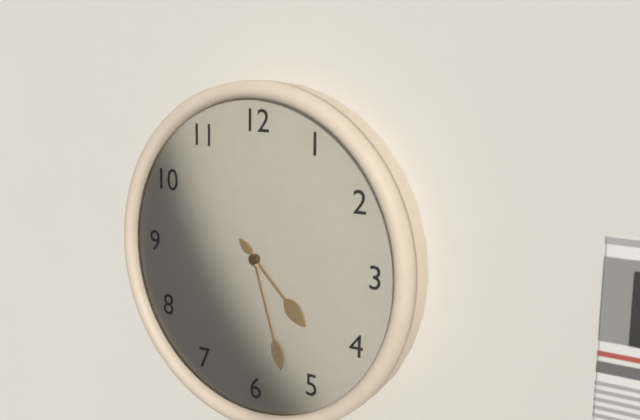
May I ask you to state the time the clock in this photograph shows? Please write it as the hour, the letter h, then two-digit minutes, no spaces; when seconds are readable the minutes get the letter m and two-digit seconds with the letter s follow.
4h27
